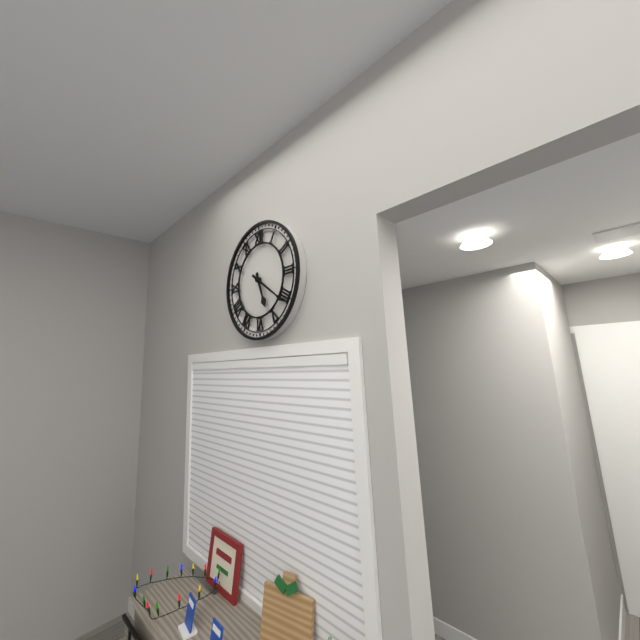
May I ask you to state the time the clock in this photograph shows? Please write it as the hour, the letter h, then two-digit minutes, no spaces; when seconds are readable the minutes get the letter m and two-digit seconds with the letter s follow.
5h21
